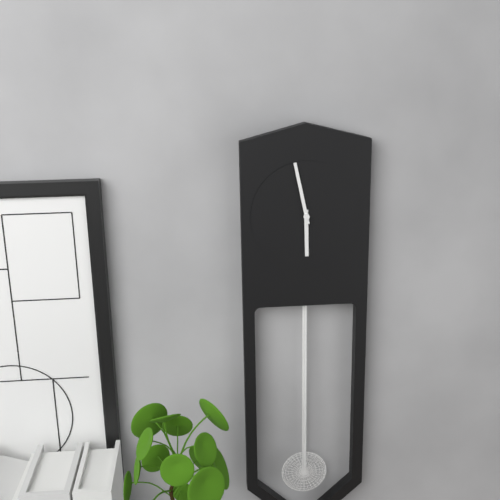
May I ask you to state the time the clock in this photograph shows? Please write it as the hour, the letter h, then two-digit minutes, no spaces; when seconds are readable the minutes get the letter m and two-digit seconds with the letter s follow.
5h58
